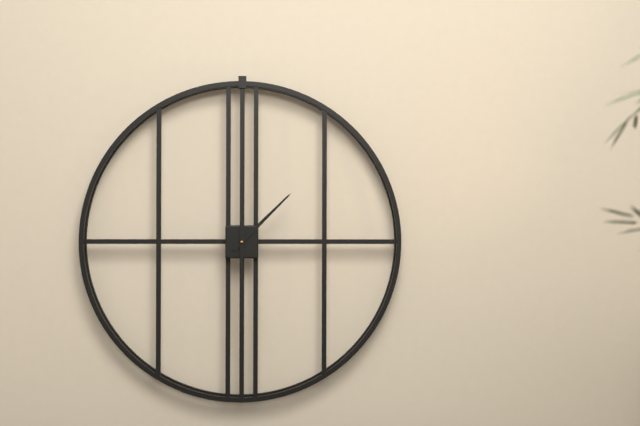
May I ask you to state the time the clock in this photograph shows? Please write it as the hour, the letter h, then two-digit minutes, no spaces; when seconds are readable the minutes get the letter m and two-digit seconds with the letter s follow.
1h30
